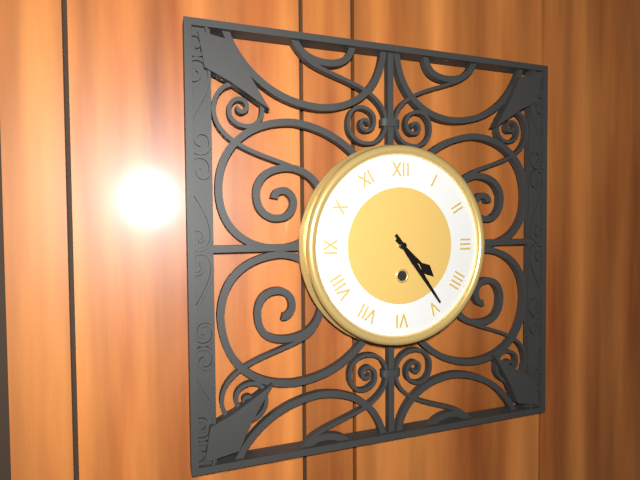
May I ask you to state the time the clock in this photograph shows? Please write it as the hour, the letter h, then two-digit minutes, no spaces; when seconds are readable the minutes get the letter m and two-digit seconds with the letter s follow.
4h24
